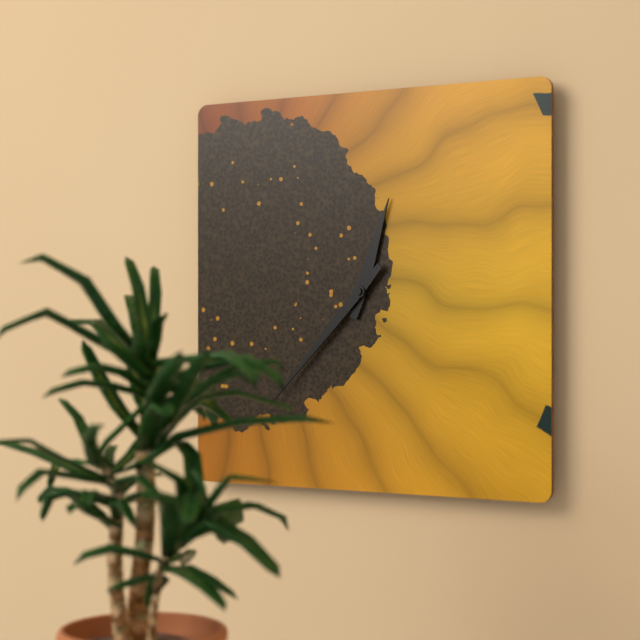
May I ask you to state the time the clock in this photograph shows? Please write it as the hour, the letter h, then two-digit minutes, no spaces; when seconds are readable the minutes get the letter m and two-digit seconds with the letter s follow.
12h37
